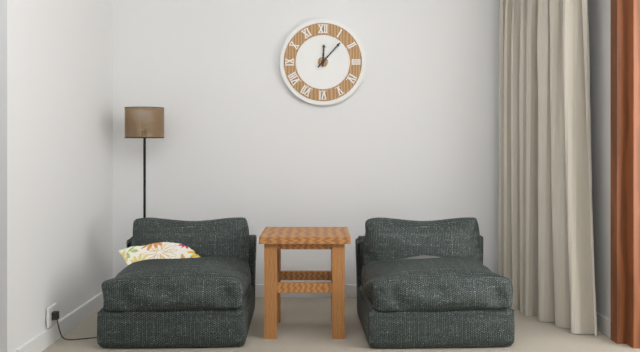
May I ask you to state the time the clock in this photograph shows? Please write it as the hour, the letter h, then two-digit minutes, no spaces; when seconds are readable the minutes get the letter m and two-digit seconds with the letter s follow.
12h07
